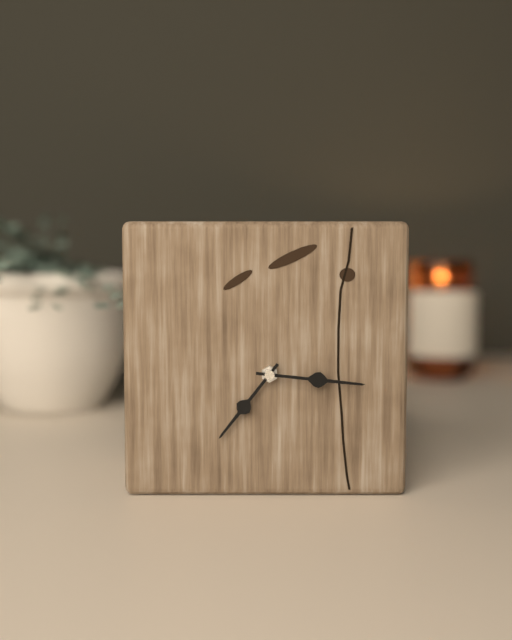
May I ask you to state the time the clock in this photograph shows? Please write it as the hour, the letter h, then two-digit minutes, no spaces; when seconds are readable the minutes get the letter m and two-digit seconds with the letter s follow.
7h16
